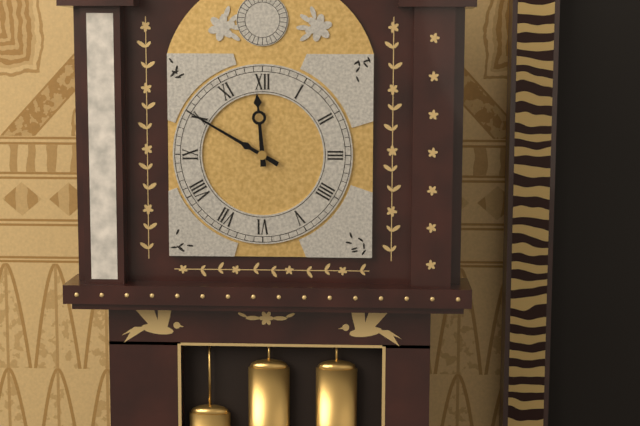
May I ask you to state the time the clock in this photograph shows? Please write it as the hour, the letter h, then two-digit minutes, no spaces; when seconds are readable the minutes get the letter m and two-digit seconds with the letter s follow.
11h50
